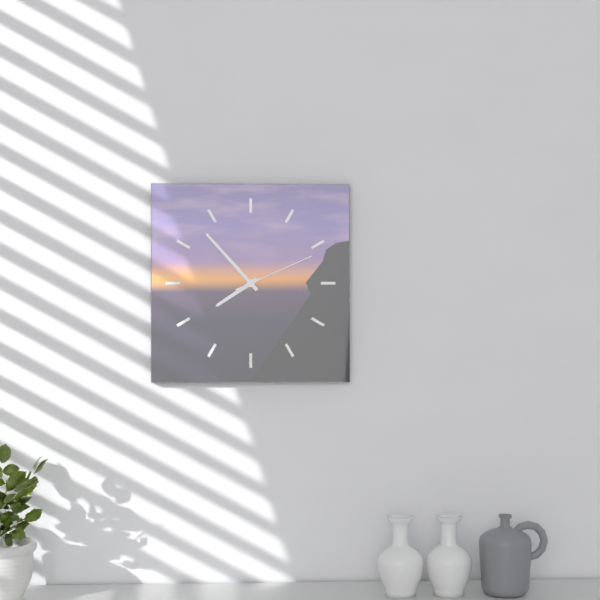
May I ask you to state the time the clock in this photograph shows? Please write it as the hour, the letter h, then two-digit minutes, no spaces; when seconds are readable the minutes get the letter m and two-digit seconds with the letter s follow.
7h53m11s
